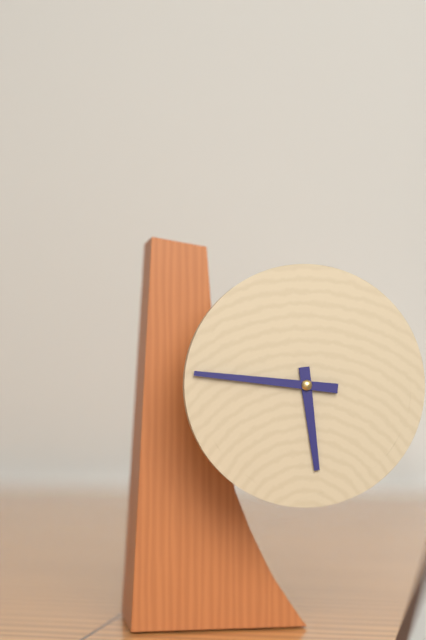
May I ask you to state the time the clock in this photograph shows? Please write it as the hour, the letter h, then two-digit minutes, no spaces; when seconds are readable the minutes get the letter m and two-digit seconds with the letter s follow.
5h46
